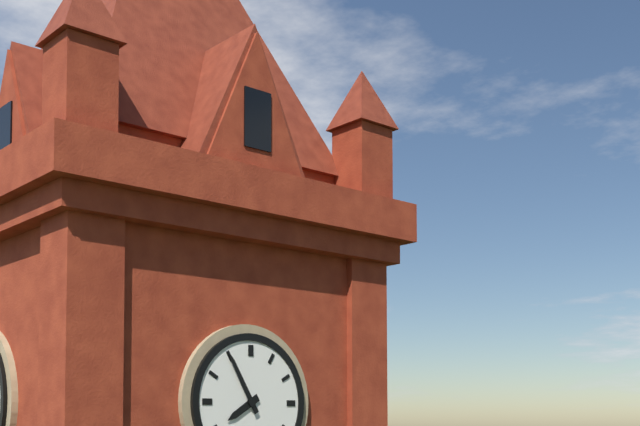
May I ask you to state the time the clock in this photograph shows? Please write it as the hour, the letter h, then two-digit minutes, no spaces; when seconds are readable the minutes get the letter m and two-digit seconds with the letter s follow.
7h55
